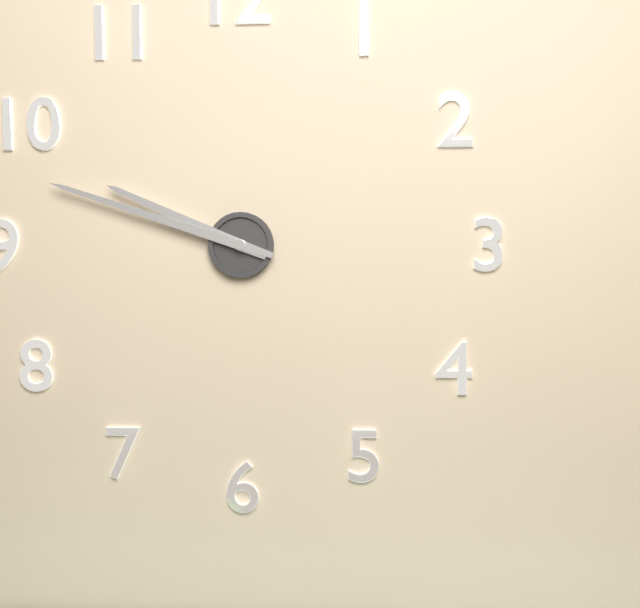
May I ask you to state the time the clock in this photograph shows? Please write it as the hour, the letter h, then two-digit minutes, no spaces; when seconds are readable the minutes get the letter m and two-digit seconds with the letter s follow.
9h48
